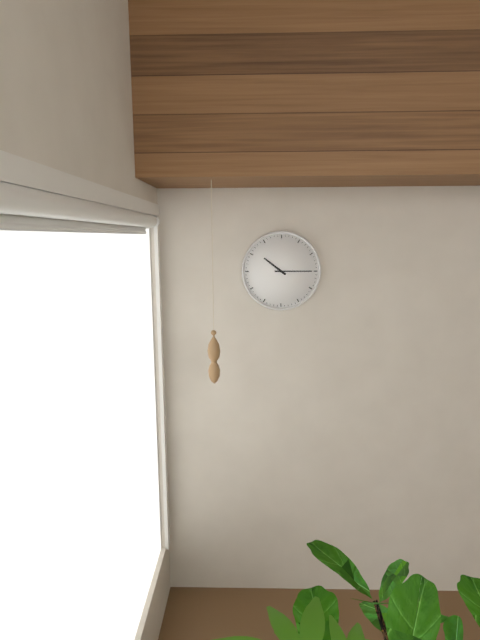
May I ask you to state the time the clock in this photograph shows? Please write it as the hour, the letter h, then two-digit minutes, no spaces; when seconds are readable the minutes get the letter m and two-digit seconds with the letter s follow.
10h15
